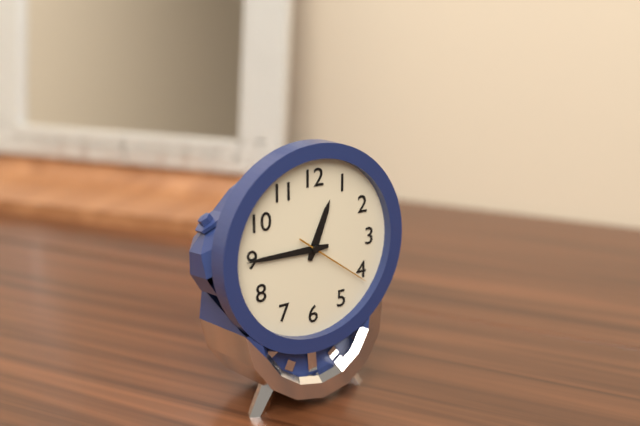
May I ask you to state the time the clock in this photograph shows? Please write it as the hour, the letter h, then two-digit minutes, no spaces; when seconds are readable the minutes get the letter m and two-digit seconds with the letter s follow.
12h45m21s
